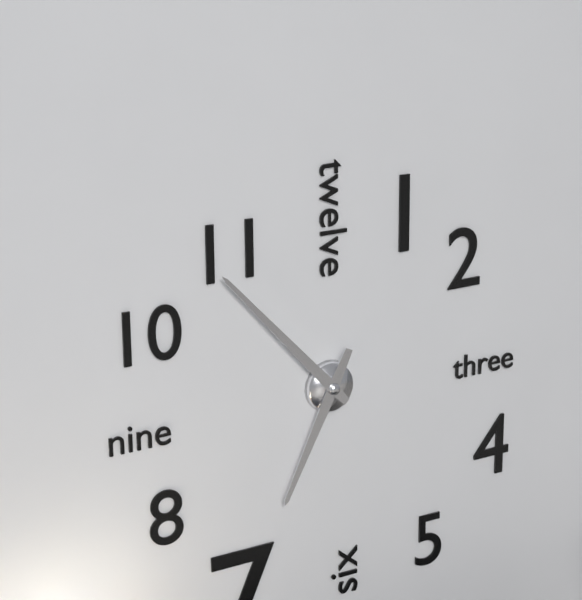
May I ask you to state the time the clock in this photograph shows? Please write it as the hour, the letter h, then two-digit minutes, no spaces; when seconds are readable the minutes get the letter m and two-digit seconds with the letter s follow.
6h53
